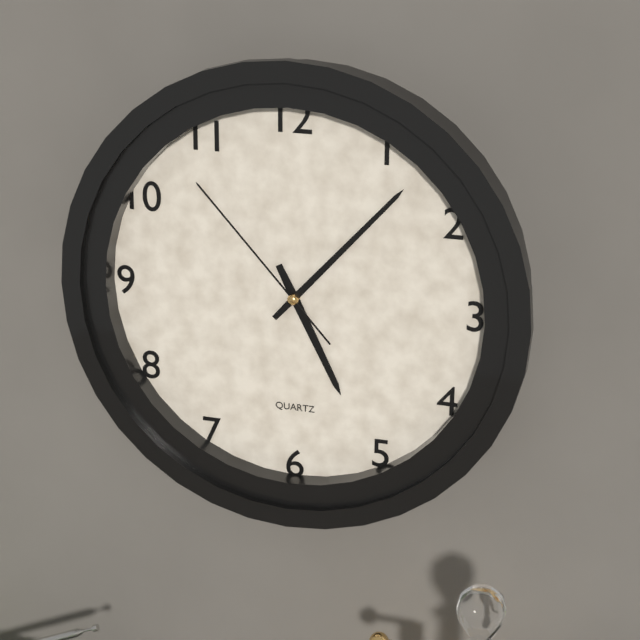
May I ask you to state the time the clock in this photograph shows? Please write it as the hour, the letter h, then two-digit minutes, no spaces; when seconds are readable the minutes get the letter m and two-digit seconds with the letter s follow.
5h07m53s
